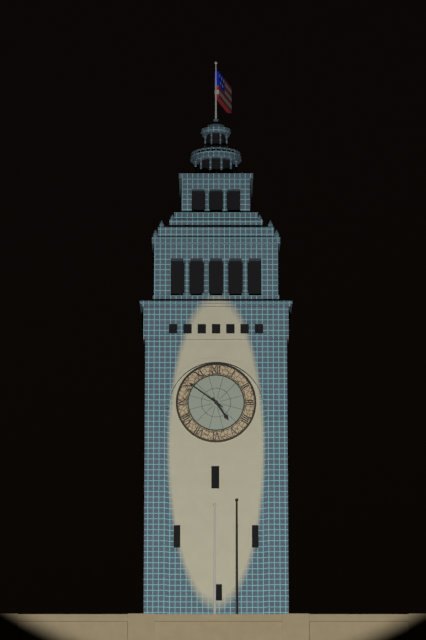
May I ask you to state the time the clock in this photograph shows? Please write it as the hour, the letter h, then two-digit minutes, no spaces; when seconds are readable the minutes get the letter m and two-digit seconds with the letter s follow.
4h51
